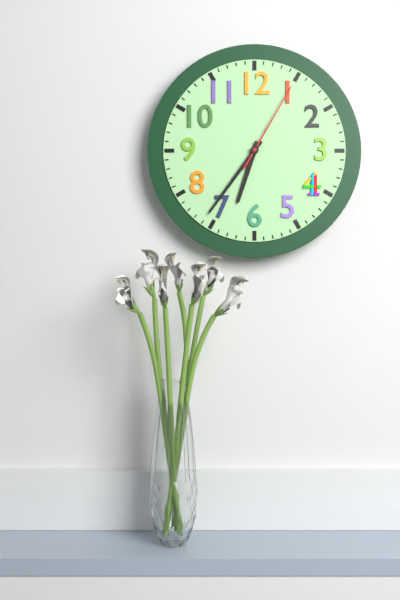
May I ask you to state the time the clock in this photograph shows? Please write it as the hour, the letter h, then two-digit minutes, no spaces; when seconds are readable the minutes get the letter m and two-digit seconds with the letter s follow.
6h36m05s
